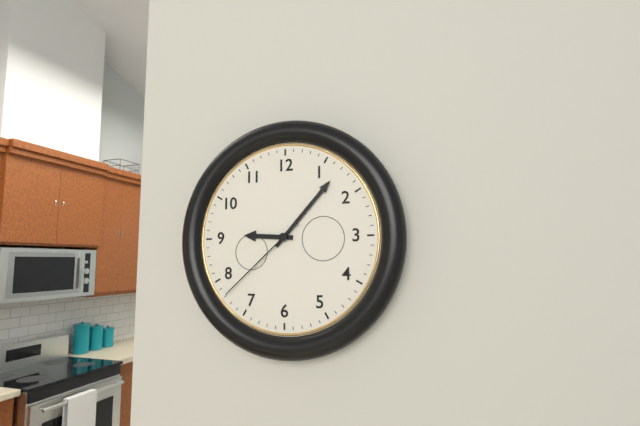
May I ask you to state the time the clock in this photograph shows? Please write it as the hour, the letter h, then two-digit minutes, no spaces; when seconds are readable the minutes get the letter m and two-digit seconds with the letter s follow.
9h07m38s
